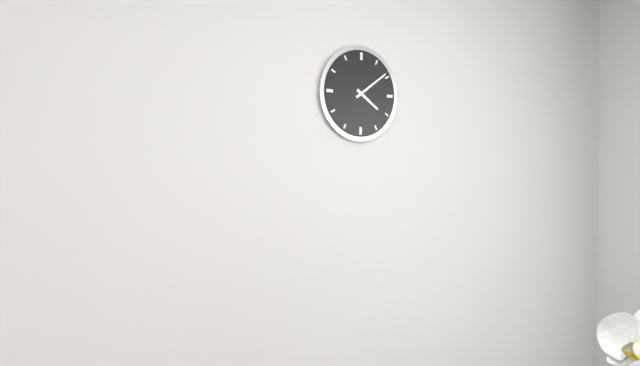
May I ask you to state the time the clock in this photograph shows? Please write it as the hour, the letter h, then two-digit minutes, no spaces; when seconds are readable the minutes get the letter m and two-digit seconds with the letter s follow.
4h09
